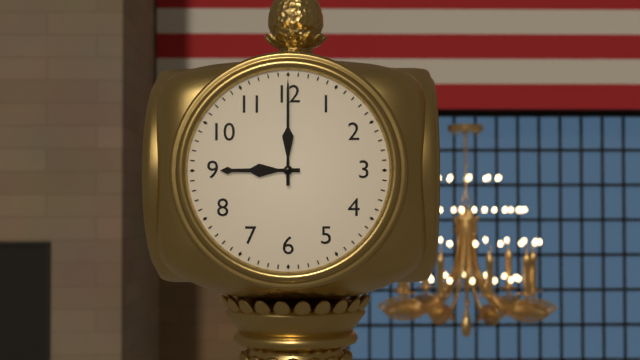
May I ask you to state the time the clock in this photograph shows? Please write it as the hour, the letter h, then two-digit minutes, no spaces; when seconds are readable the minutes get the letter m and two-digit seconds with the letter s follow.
9h00
